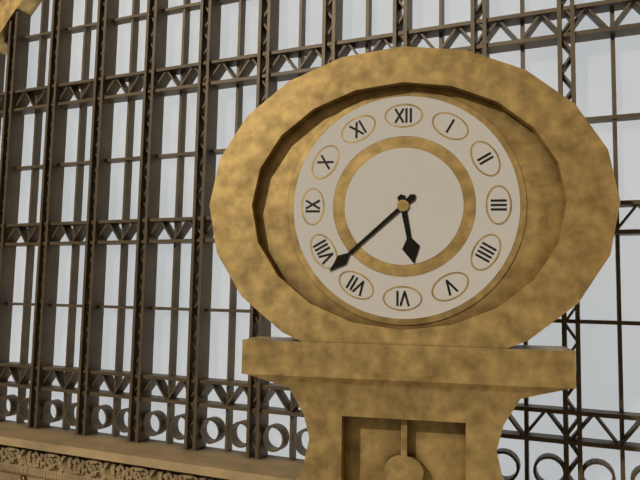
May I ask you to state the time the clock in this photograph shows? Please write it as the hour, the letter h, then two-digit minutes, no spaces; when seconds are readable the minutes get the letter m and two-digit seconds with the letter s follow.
5h38
